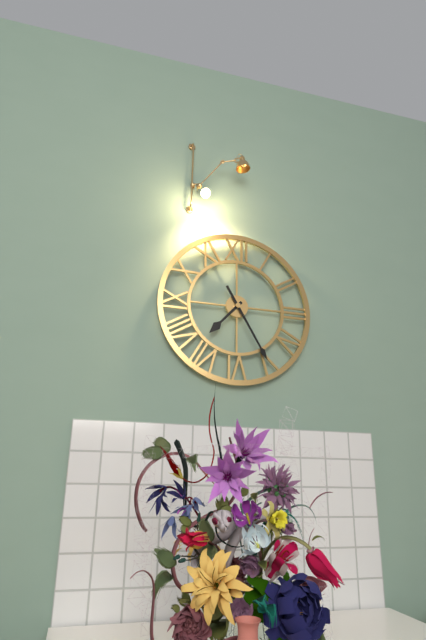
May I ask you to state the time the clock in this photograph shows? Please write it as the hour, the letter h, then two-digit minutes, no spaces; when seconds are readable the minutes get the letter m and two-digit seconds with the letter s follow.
7h25
